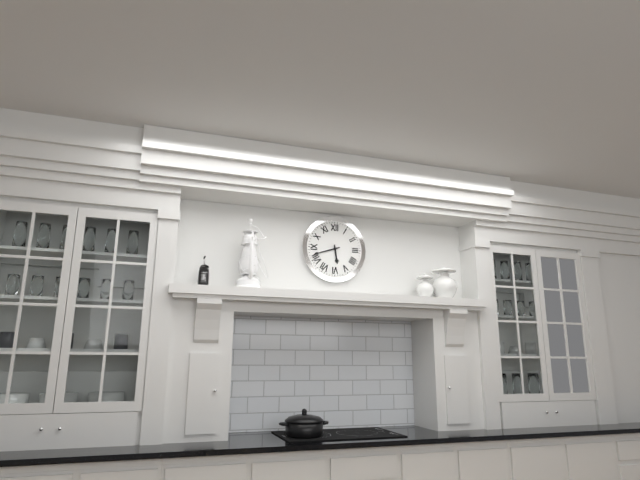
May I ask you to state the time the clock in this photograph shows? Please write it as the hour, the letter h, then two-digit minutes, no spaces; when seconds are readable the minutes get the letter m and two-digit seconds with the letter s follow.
5h42
